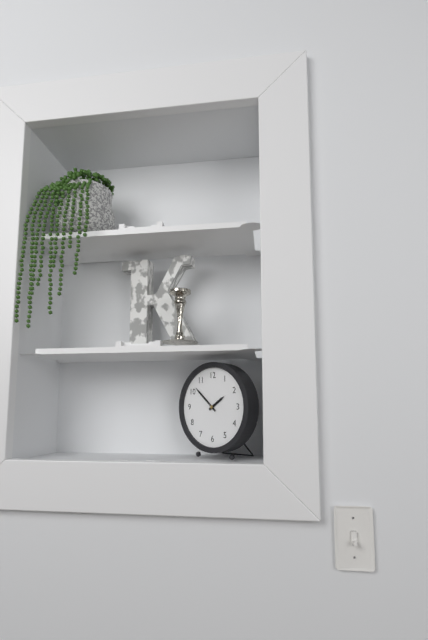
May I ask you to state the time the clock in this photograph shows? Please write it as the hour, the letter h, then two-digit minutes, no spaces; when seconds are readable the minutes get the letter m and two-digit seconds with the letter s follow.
1h52
